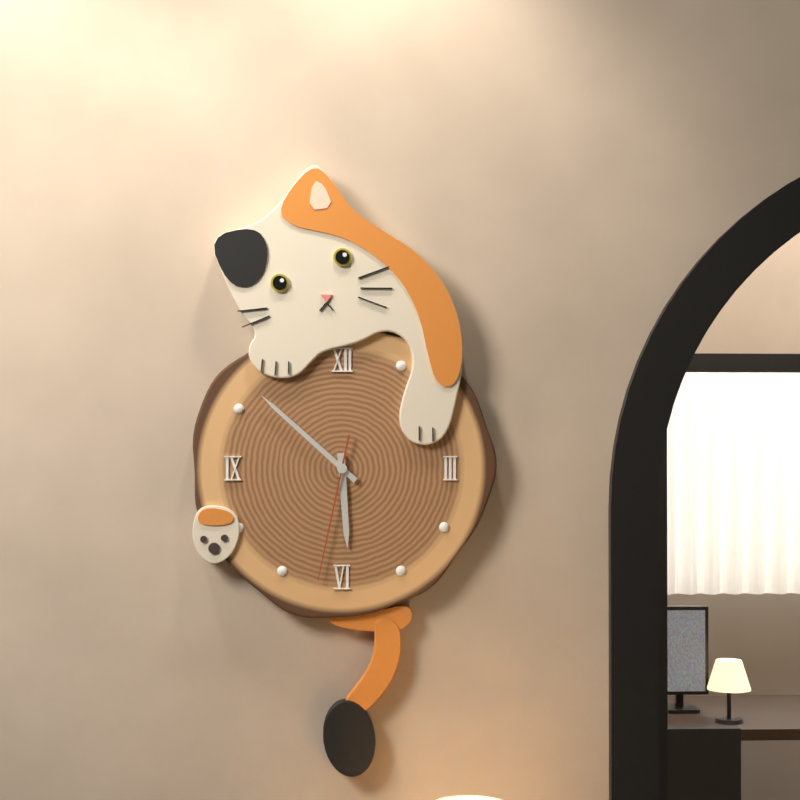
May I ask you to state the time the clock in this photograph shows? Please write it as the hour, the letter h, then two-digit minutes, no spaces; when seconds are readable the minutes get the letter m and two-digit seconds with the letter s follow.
5h52m32s
